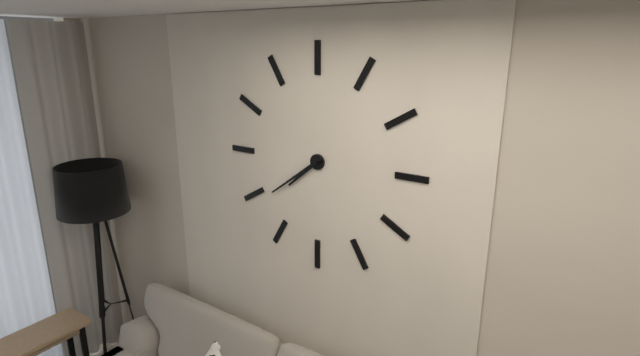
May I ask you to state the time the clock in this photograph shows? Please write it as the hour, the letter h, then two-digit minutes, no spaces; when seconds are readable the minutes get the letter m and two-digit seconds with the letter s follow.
7h39
